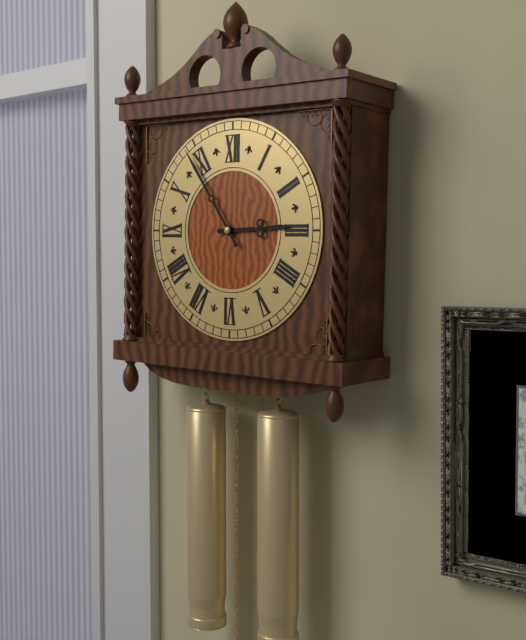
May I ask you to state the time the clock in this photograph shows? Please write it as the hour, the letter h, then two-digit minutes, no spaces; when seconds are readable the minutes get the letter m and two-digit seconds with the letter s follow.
2h54
